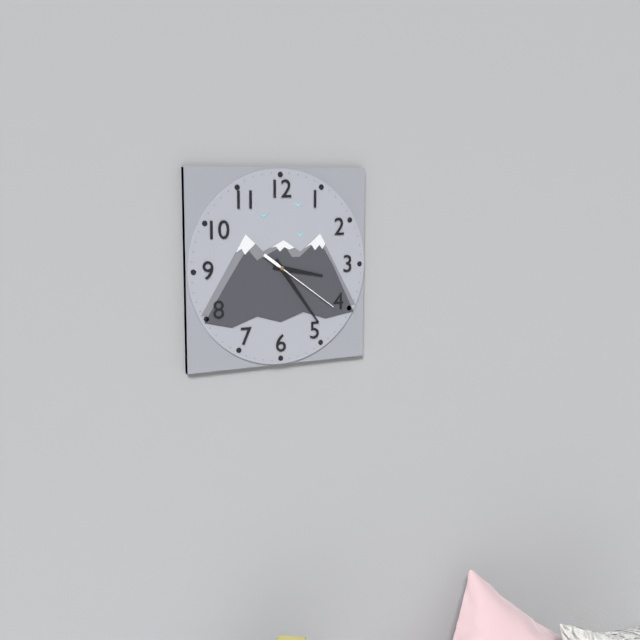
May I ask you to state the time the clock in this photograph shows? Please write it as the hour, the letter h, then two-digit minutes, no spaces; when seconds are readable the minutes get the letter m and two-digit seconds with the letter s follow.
3h24m21s
